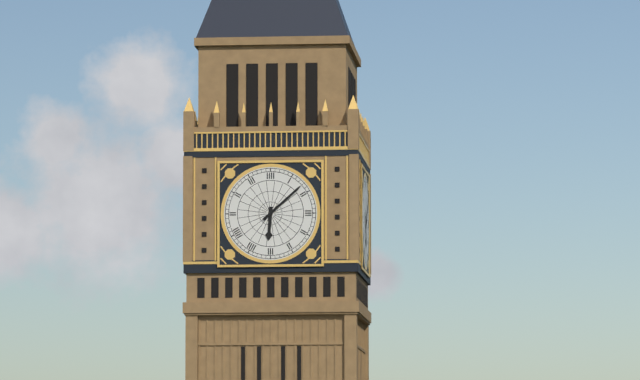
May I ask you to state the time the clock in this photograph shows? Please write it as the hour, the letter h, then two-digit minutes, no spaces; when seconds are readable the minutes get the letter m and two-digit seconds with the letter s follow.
6h08
